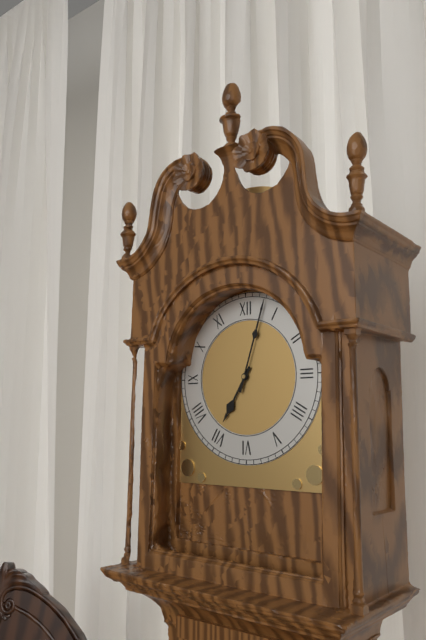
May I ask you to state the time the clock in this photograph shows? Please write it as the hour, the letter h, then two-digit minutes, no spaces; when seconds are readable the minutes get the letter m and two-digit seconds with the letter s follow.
7h03
